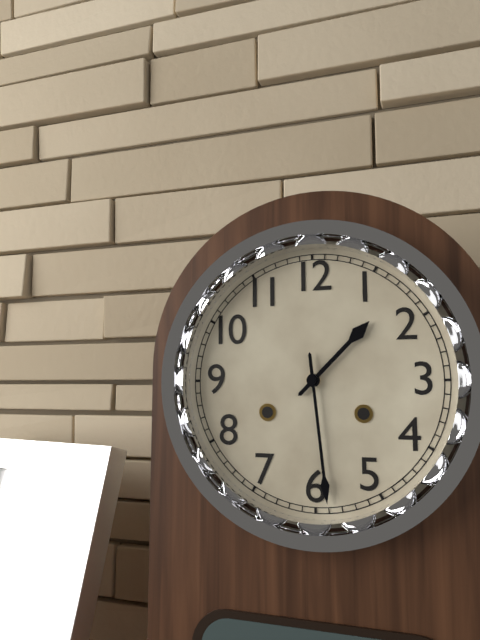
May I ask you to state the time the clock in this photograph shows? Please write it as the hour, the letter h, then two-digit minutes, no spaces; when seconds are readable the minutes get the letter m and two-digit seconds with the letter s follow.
1h29
